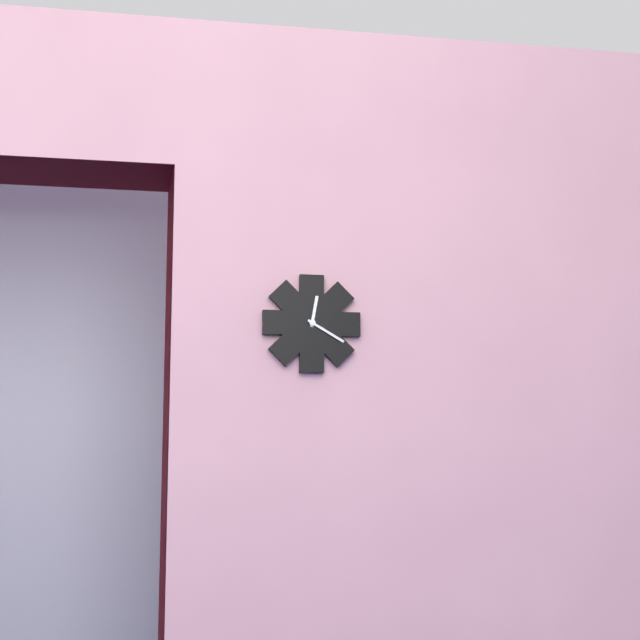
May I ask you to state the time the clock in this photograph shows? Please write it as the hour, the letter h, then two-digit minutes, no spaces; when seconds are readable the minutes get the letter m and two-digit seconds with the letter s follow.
12h20
